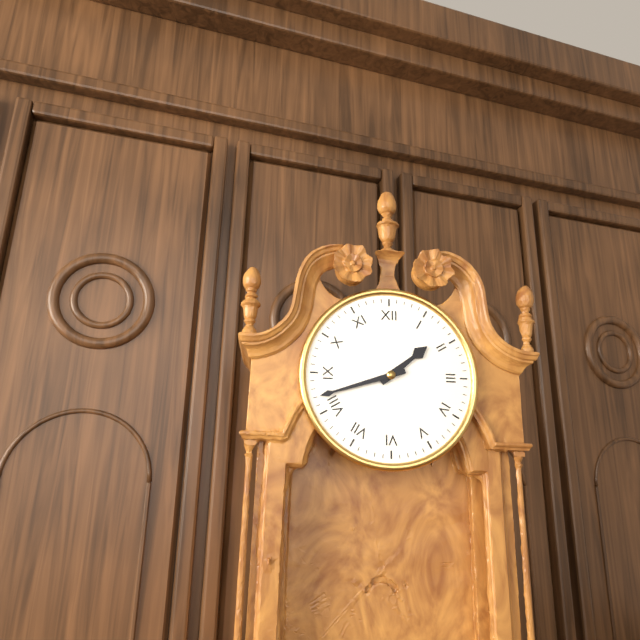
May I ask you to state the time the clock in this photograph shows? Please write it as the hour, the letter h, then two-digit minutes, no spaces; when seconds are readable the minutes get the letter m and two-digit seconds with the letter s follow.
1h42
